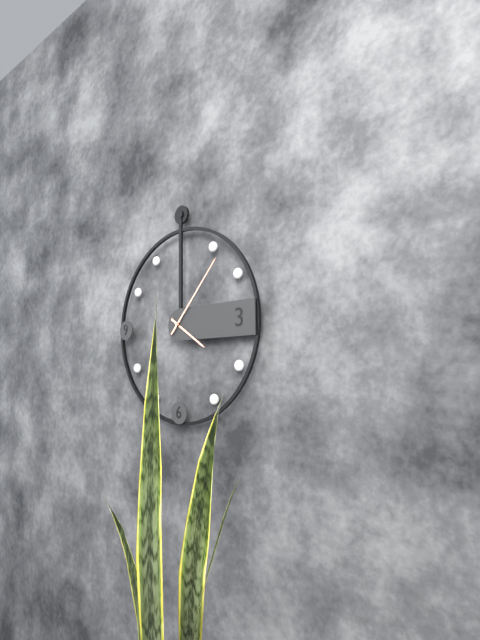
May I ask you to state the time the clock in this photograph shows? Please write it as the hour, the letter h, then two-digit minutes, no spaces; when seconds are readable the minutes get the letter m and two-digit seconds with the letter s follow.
4h07
